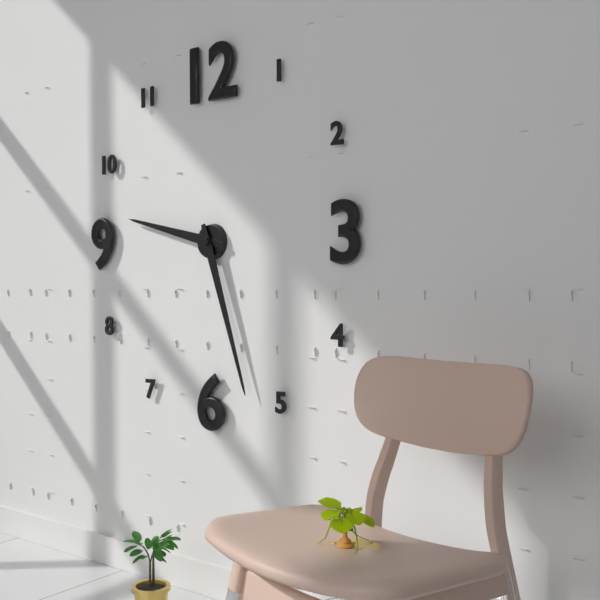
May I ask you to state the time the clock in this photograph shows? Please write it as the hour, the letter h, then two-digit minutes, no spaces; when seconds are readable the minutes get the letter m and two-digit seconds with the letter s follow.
9h27
